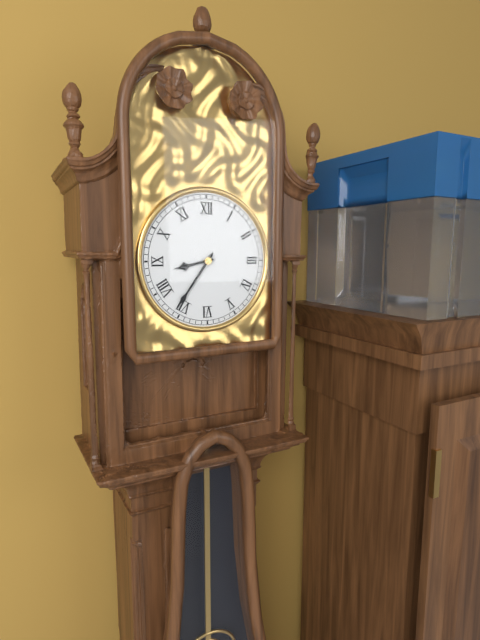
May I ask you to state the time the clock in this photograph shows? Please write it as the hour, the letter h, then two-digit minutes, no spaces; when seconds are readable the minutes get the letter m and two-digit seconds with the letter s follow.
8h36
